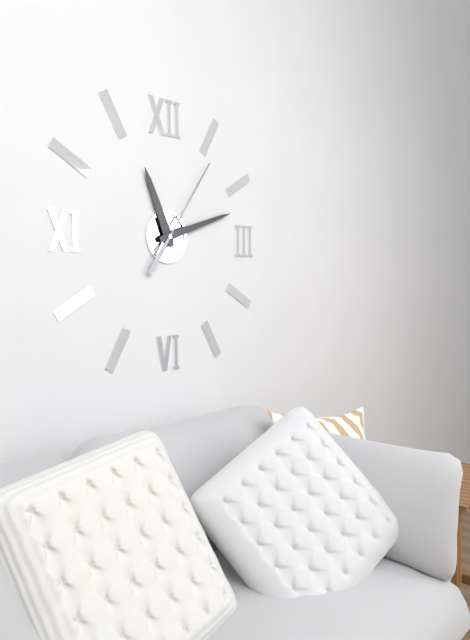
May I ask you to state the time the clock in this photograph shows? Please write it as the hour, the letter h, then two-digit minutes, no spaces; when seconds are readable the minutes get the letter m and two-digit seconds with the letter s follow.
11h12m06s
